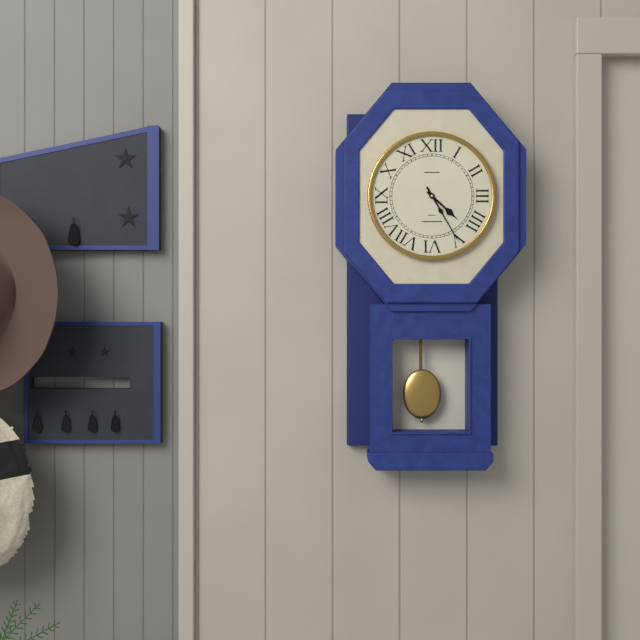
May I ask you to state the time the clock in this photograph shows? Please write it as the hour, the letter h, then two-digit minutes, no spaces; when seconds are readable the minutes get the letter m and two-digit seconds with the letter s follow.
4h25
